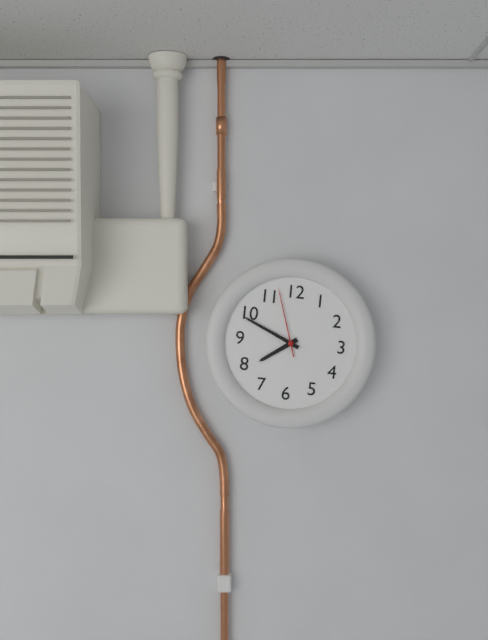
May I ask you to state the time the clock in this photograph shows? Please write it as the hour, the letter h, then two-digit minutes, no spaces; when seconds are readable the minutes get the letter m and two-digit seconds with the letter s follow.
7h49m57s
